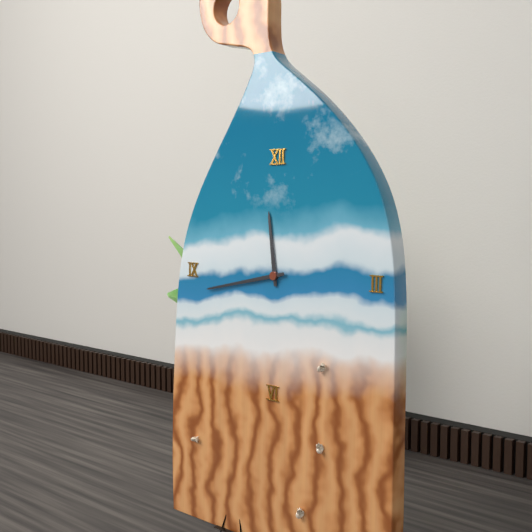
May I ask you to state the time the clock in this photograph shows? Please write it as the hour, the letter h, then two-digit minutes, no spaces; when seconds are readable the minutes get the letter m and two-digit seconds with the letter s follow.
11h43
